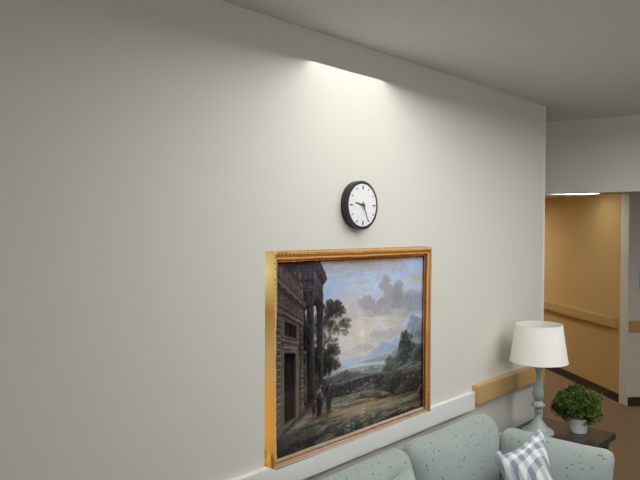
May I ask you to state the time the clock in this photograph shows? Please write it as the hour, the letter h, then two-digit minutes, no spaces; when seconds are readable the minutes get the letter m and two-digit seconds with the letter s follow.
9h26
